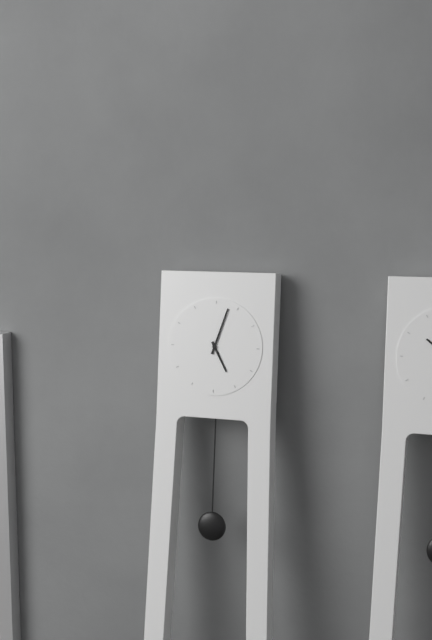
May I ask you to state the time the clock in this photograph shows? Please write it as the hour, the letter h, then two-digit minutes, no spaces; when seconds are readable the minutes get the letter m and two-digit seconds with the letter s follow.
5h03
